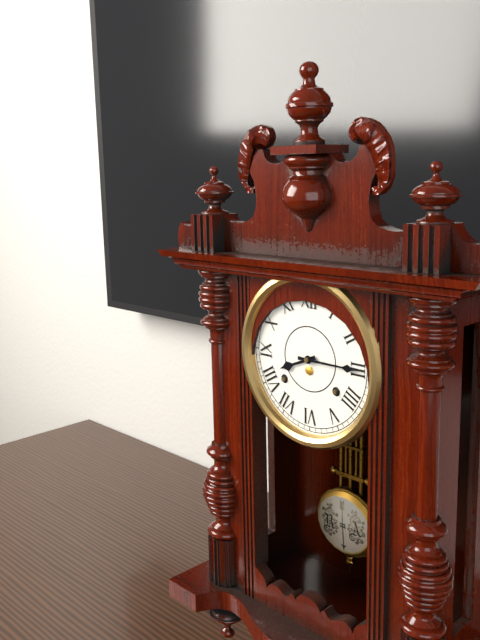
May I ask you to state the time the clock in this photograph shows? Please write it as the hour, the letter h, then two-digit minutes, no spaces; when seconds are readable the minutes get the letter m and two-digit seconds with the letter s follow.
8h15
